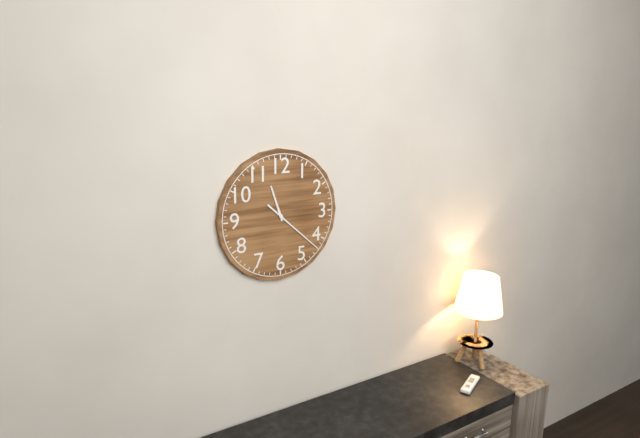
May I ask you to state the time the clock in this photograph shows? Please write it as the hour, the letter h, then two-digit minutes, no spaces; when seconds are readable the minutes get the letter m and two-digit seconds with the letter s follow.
11h22
